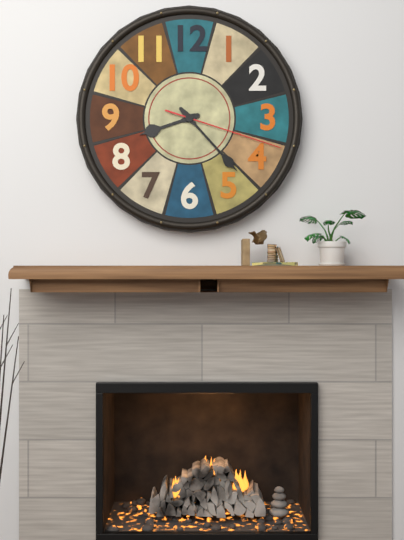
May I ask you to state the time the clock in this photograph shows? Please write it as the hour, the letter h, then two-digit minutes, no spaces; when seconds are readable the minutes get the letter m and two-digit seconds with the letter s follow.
8h23m18s
